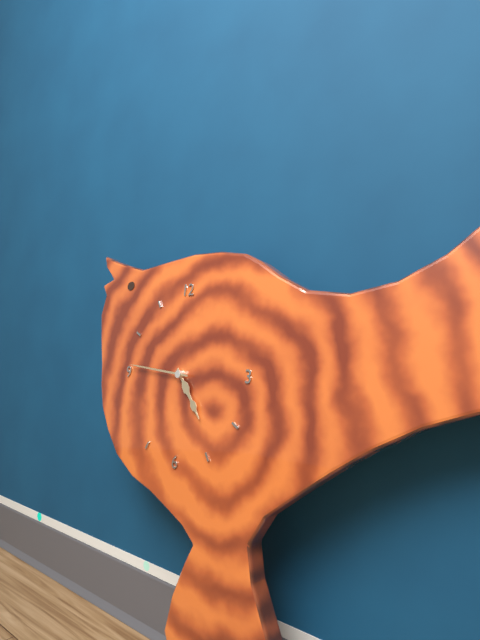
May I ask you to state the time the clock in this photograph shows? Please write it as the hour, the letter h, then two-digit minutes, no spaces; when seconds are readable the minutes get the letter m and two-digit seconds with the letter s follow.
4h46
